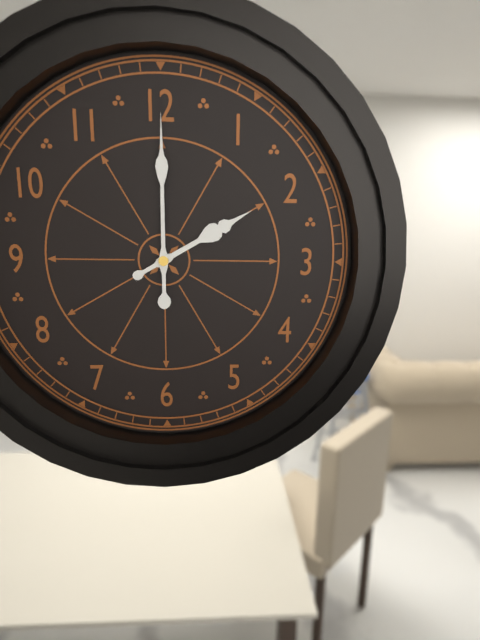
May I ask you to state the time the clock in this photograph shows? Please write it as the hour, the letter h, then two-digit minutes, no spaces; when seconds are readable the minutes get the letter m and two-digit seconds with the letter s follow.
2h00
